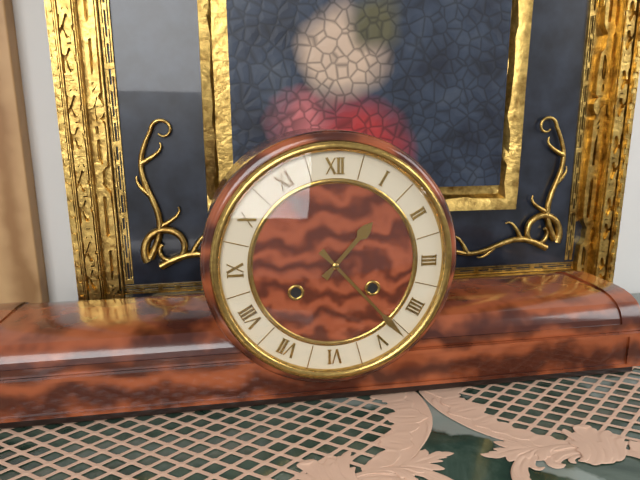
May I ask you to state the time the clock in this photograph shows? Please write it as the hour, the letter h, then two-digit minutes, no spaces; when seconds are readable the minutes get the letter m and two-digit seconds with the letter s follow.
1h23
